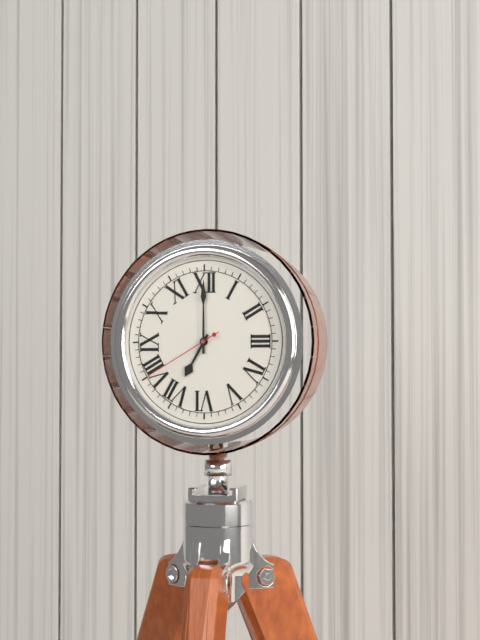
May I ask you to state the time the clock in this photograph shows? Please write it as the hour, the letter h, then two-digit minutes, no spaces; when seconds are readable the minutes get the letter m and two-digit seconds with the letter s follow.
7h00m40s
